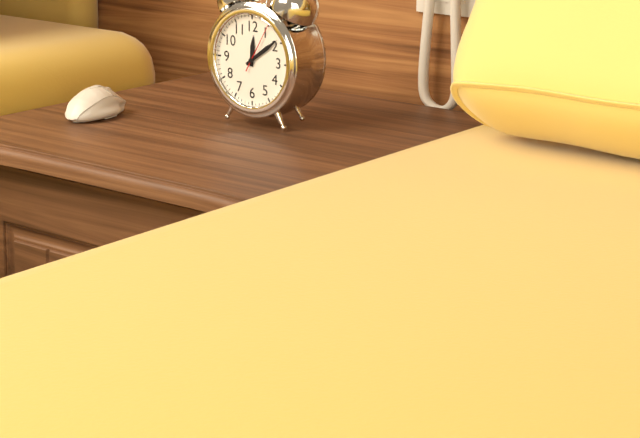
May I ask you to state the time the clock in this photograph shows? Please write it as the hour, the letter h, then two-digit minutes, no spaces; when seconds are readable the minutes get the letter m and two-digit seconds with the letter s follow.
12h09
